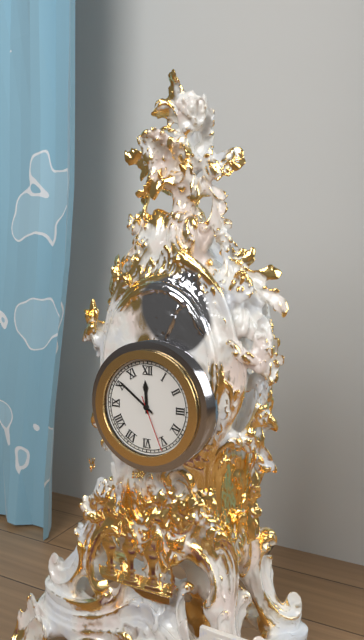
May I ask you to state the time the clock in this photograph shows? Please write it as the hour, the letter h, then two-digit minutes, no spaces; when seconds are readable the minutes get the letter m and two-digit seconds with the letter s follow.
11h51m26s
